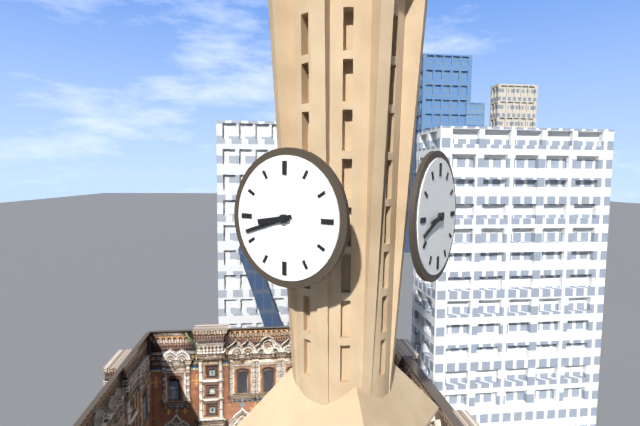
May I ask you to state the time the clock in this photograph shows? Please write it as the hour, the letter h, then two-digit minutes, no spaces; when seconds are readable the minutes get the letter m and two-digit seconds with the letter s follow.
8h42
